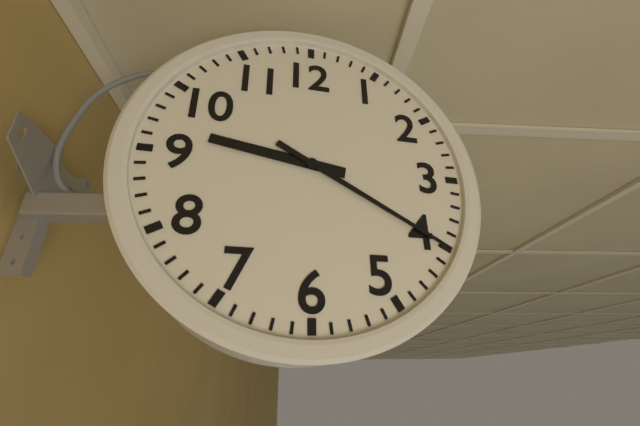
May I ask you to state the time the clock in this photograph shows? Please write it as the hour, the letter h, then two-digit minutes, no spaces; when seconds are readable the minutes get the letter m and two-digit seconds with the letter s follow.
9h20
